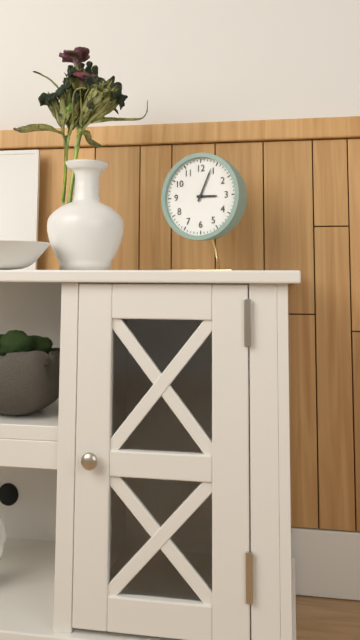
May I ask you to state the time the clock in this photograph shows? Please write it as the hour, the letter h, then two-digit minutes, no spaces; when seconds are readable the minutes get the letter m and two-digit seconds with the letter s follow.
3h04
